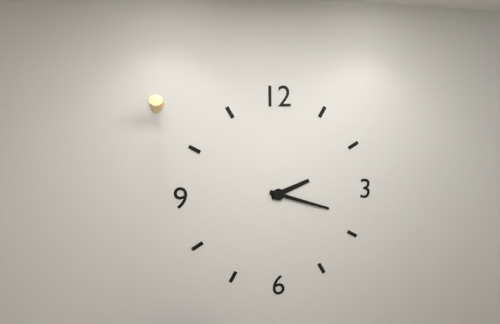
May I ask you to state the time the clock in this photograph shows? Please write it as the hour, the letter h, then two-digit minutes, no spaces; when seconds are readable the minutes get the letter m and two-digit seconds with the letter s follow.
2h18
